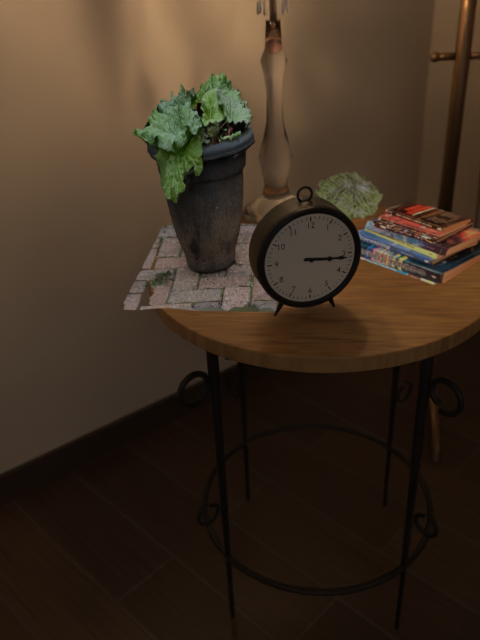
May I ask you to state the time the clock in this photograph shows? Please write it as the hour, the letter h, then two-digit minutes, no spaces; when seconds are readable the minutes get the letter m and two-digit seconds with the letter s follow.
3h16
